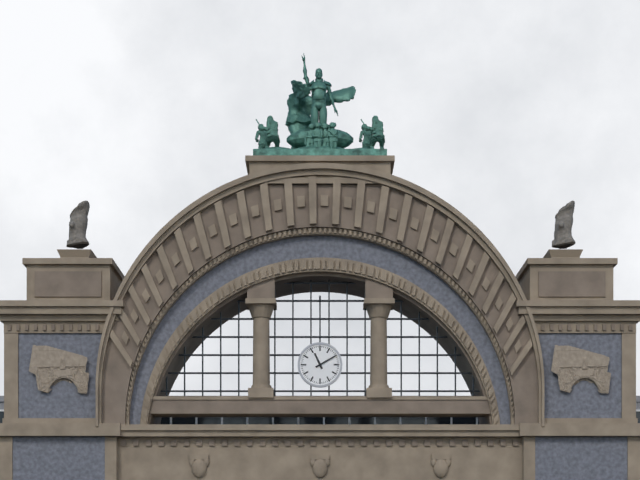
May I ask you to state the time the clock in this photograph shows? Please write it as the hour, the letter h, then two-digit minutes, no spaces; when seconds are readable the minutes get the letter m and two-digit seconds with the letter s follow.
11h10
